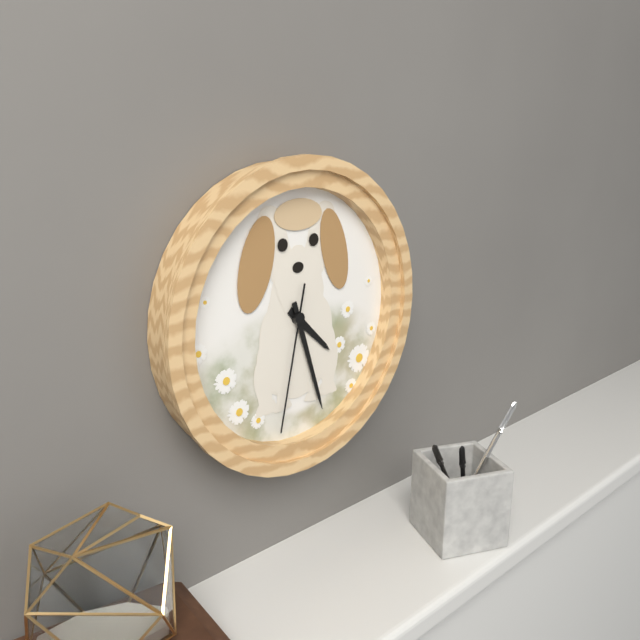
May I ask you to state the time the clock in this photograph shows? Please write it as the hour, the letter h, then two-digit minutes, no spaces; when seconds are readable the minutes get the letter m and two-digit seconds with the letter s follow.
4h27m32s
